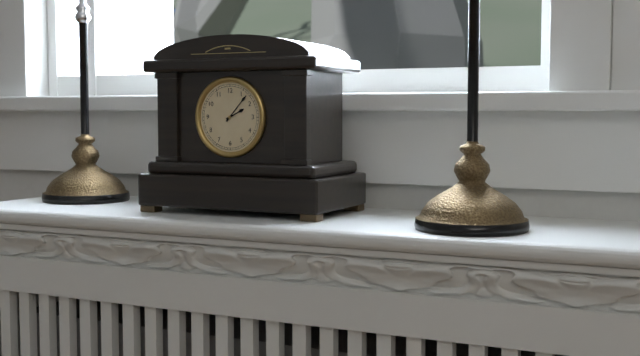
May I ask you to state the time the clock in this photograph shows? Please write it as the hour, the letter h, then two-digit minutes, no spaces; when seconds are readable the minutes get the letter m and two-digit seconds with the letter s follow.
2h07
